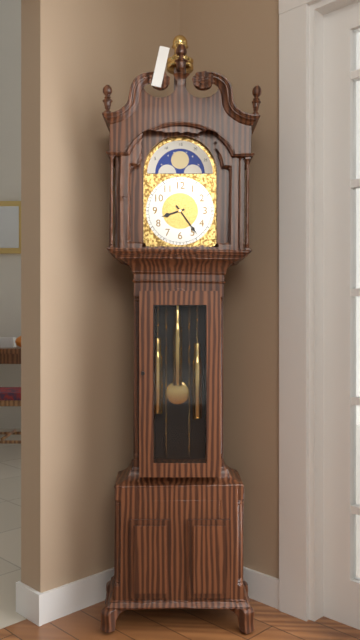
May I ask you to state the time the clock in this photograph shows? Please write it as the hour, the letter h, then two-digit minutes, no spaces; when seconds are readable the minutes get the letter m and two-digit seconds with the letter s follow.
8h24
